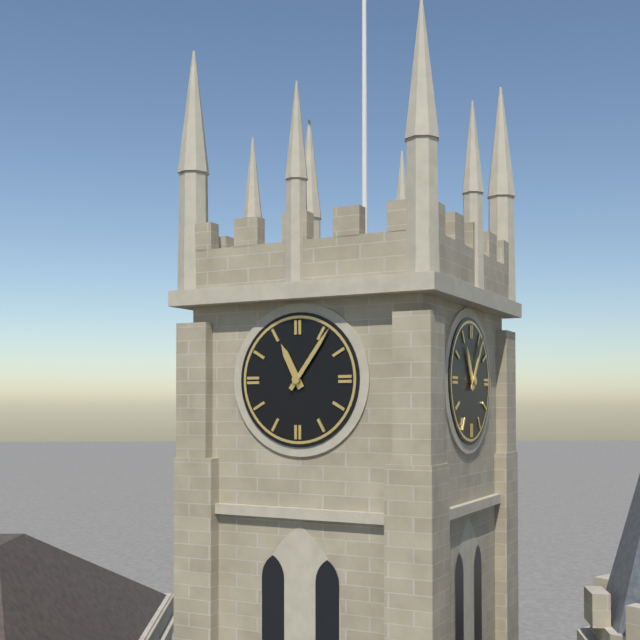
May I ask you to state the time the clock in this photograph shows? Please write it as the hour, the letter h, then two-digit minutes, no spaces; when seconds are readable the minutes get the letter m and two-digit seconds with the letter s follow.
11h06
